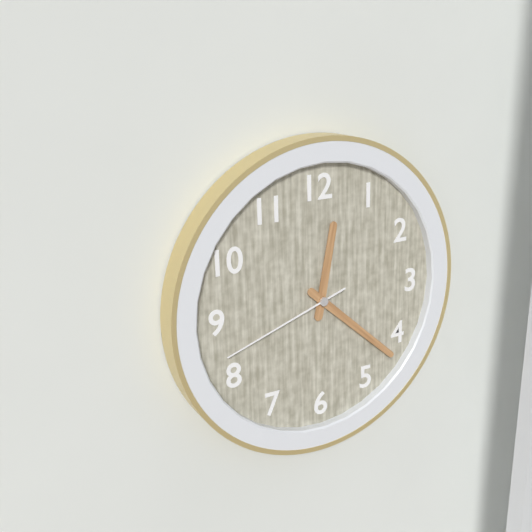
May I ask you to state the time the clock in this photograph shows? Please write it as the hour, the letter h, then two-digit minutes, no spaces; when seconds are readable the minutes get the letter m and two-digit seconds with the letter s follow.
12h22m42s
